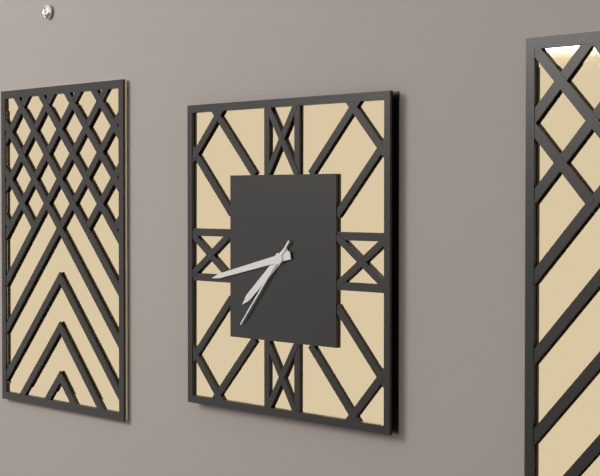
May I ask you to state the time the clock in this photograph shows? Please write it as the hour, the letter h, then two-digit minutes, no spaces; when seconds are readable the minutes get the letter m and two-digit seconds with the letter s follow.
7h43m37s
